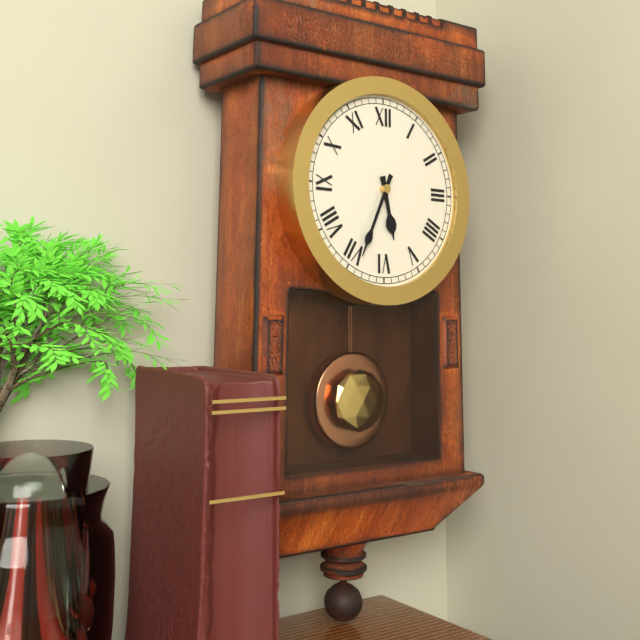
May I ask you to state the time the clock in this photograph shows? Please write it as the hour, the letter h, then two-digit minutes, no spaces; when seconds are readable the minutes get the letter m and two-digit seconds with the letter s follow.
5h34
